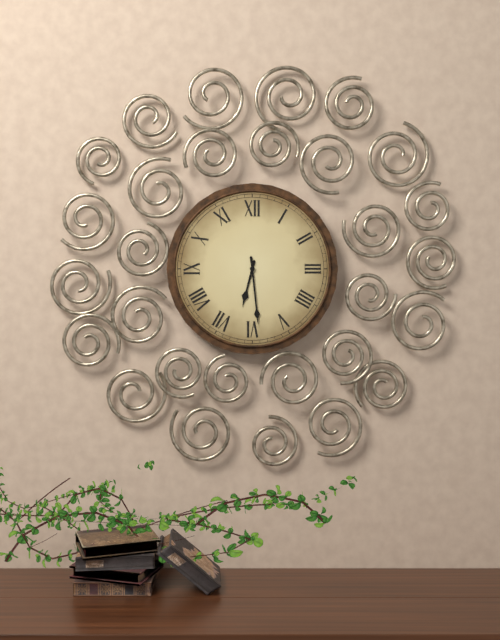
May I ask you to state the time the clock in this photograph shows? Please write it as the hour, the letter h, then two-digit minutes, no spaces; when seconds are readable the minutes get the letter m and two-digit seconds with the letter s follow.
6h29
